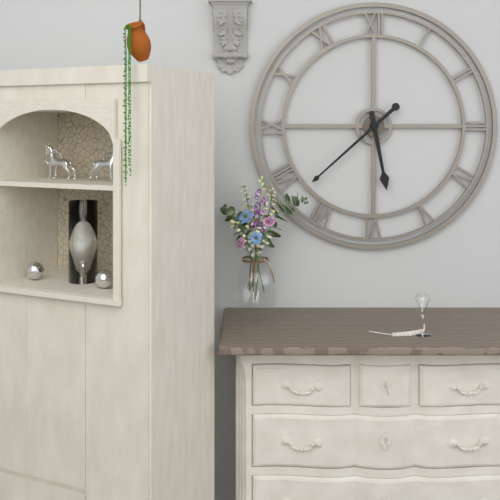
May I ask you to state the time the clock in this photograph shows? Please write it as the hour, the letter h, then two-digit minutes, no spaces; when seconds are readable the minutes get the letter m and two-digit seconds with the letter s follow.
5h38
